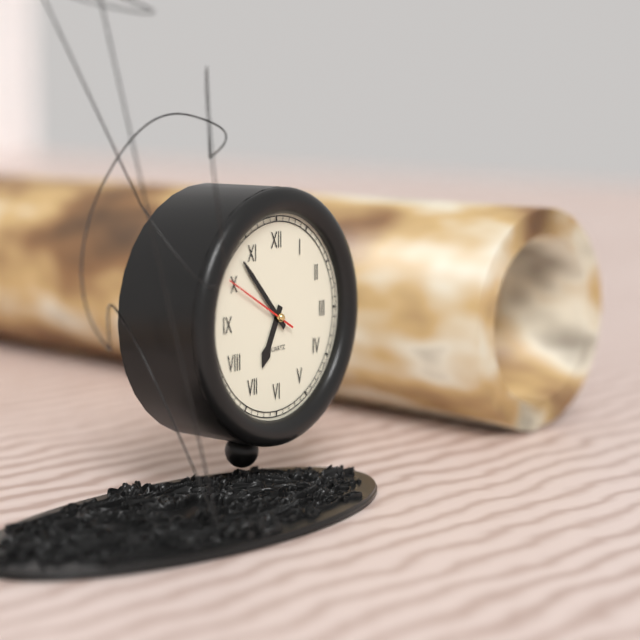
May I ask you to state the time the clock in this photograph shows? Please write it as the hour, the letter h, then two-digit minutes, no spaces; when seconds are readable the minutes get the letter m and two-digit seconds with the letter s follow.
6h53m50s
